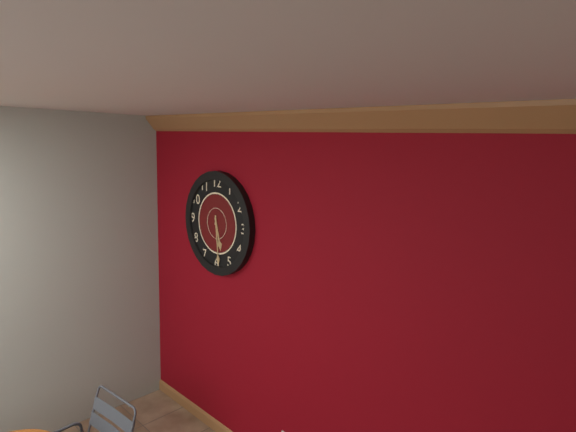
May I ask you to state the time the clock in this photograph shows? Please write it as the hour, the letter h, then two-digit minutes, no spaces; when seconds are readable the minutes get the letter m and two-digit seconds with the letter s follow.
5h29
